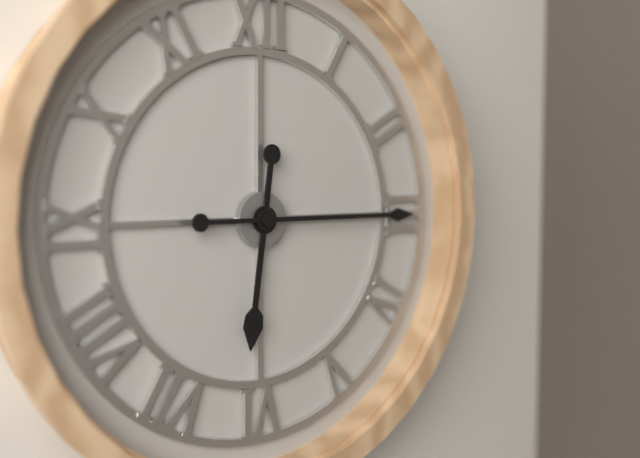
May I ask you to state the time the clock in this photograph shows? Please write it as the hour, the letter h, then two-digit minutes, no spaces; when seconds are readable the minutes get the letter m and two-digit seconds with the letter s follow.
6h15
